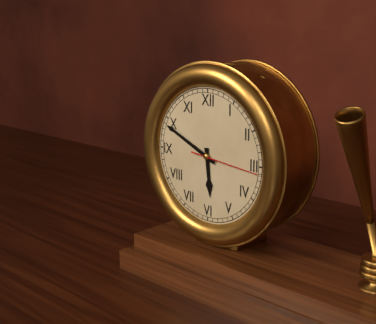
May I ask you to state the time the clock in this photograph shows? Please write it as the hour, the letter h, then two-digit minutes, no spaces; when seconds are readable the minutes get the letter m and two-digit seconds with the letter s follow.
5h49m16s
